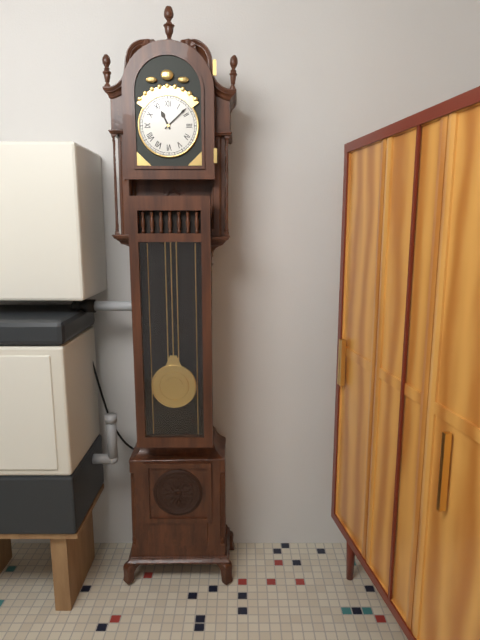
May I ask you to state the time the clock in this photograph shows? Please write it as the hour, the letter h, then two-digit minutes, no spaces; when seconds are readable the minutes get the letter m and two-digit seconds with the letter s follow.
11h08
